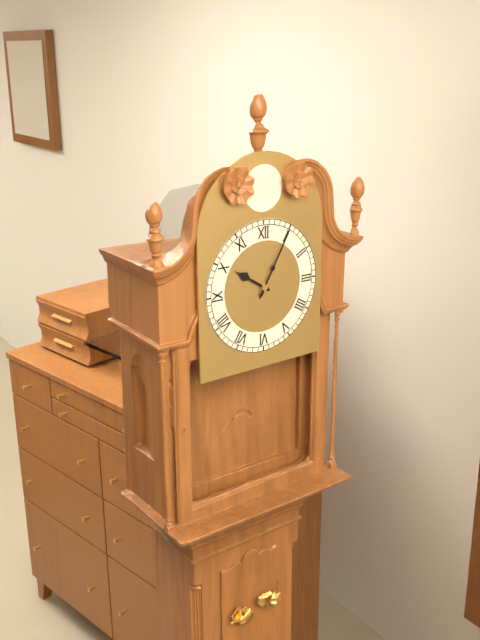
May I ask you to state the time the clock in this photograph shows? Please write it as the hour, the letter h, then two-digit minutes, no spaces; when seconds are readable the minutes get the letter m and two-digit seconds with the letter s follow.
10h05
